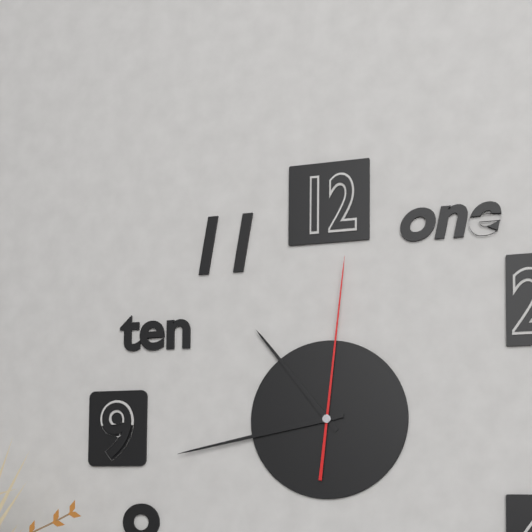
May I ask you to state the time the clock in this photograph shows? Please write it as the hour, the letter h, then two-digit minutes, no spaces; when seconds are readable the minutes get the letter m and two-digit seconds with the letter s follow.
10h43m01s
